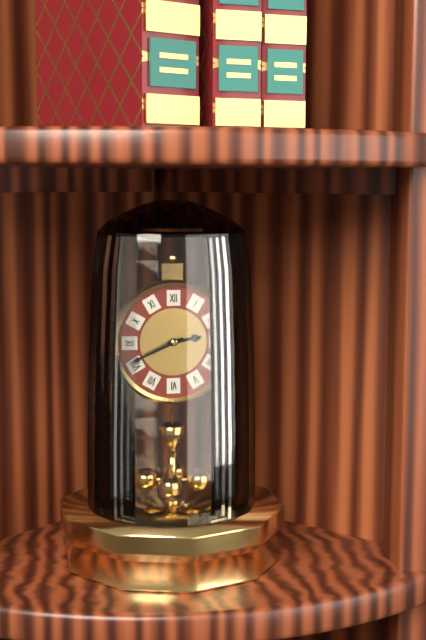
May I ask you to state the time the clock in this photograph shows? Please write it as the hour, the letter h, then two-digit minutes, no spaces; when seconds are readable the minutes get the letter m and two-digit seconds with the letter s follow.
2h41
